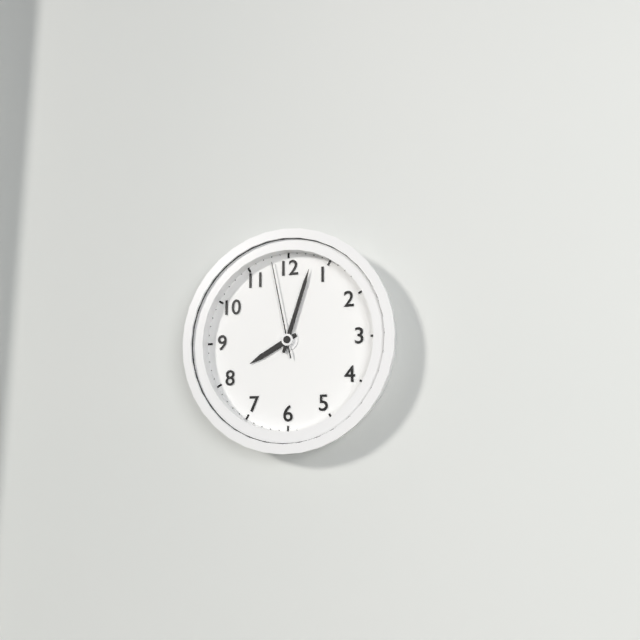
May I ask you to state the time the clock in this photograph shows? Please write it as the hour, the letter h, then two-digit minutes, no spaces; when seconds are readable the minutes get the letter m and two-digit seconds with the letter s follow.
8h03m58s
